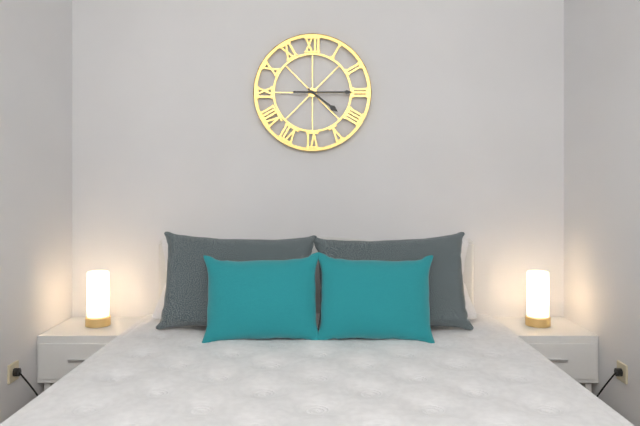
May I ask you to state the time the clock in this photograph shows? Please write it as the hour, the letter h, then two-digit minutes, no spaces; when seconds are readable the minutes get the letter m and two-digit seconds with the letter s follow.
4h15
